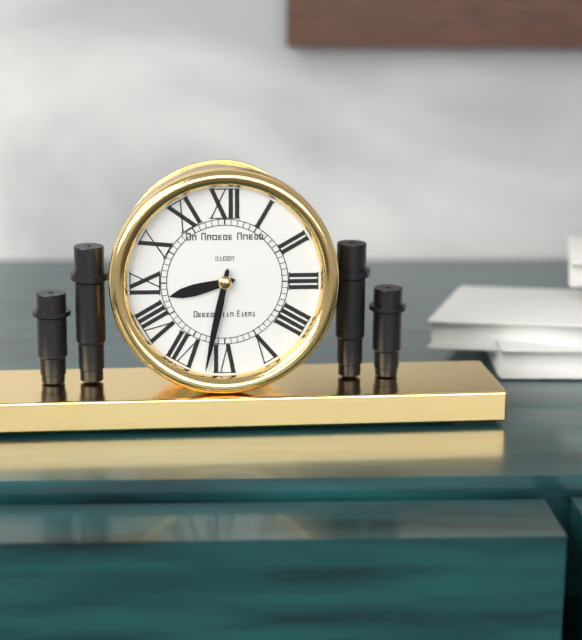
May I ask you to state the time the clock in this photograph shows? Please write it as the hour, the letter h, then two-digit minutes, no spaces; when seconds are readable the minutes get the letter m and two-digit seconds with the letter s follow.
8h32
